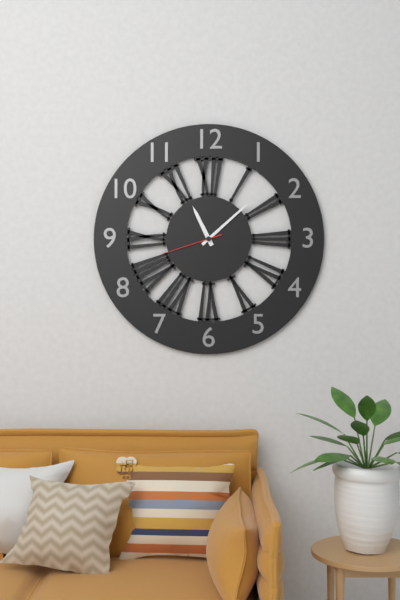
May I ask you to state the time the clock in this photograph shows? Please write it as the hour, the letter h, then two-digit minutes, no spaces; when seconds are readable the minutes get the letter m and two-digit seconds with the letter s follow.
11h08m42s
